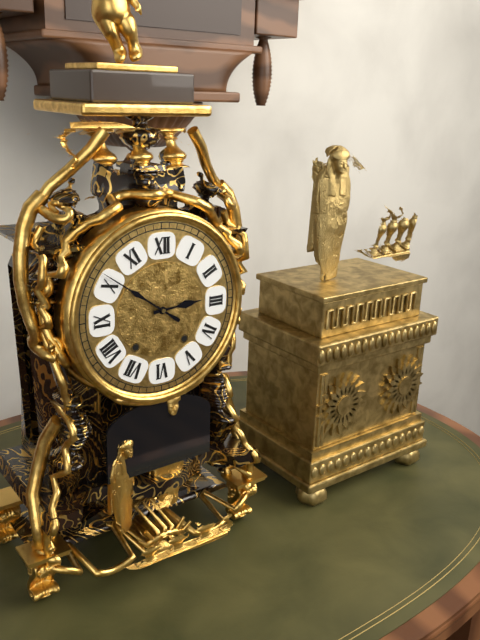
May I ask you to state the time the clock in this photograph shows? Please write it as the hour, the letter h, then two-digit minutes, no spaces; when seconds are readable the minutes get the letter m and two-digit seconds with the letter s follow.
2h51
